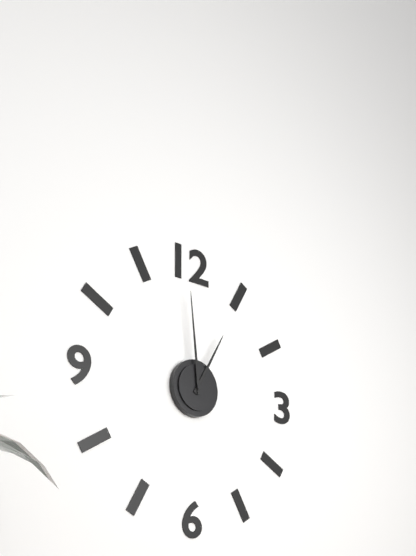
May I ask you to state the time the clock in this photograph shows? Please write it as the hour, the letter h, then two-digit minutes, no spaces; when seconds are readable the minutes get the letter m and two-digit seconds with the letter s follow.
12h59
